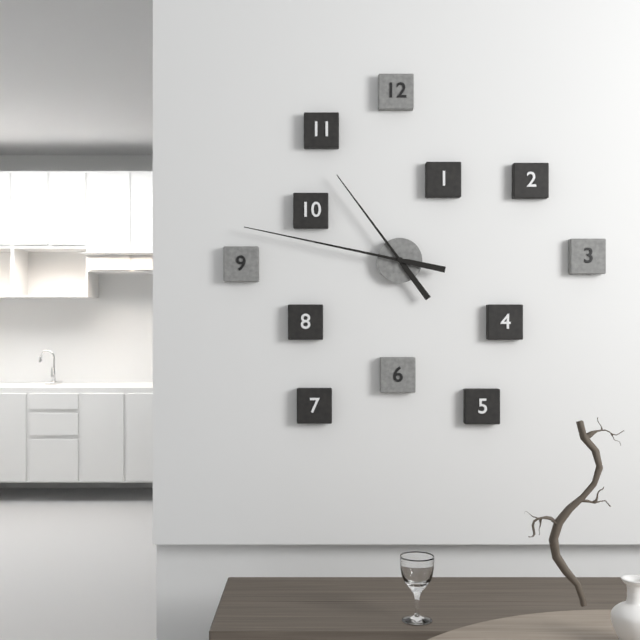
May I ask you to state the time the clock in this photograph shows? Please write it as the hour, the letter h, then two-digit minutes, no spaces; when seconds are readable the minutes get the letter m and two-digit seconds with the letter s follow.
10h47
